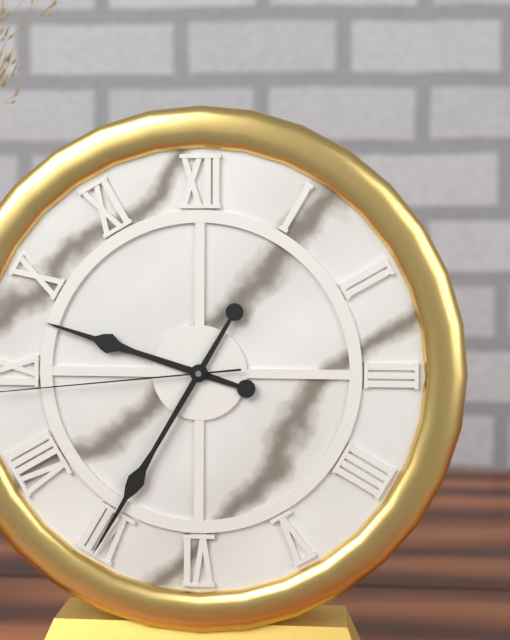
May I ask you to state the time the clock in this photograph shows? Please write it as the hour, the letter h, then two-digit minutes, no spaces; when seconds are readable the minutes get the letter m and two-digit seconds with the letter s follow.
9h35
